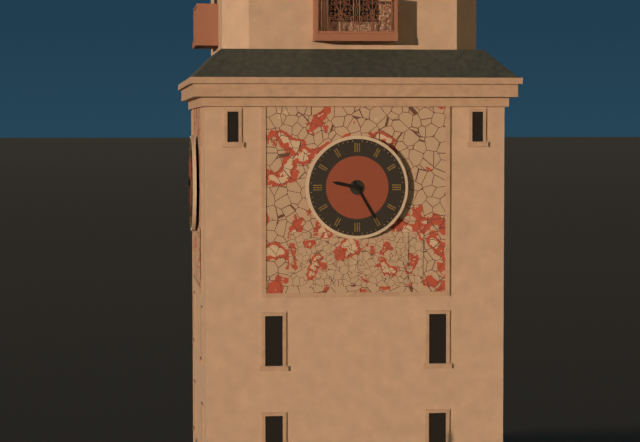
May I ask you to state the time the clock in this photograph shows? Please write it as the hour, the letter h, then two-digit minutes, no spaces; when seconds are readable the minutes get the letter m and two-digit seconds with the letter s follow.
9h25
